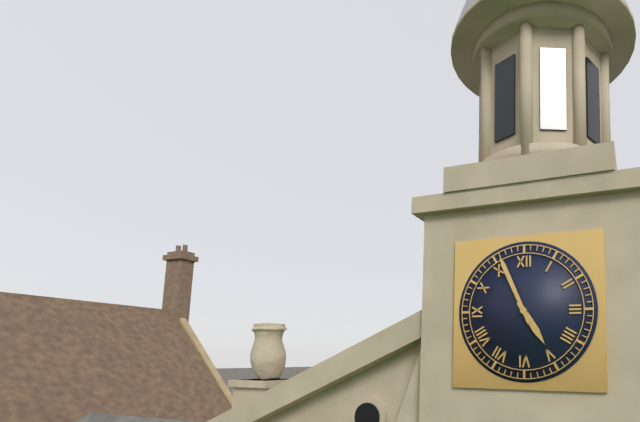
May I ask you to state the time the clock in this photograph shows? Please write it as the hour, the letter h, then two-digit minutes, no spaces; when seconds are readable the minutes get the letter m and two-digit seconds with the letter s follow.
4h56
